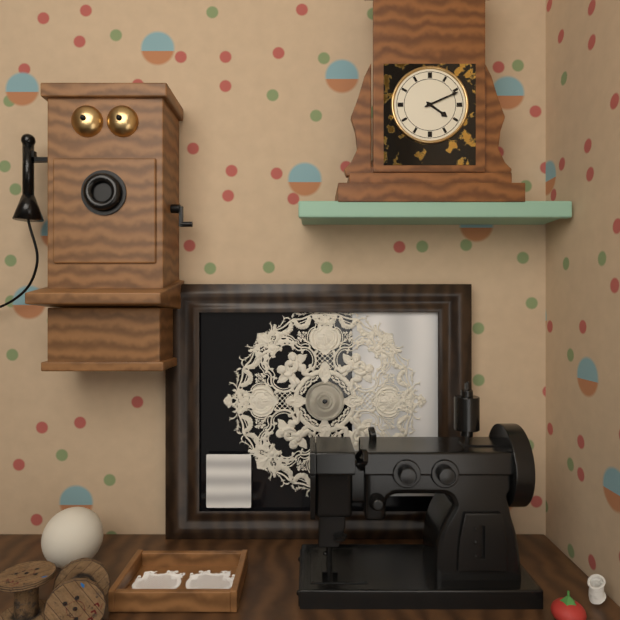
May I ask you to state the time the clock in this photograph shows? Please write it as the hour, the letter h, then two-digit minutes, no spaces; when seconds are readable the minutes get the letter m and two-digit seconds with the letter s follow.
4h11
